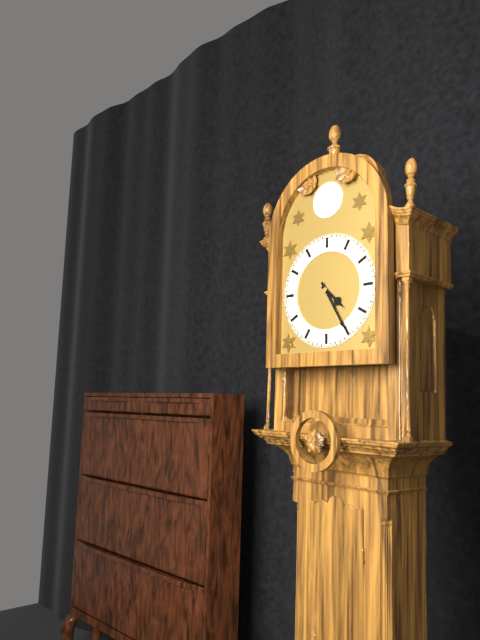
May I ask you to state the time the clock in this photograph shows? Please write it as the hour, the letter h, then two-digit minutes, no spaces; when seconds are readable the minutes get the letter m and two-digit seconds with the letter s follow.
4h25
